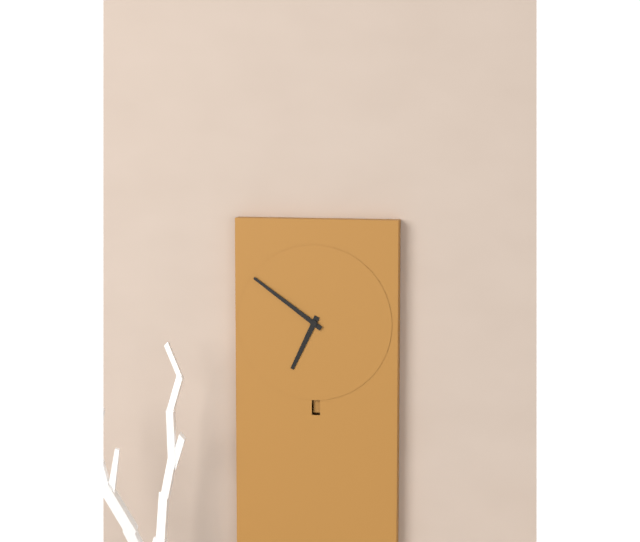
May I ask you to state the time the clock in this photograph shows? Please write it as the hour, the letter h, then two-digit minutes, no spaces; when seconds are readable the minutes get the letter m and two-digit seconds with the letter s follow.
6h51
